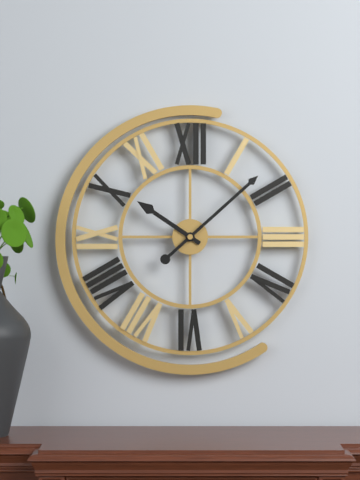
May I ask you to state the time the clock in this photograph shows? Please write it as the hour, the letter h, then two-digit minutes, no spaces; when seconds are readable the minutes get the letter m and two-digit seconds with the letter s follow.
10h08
